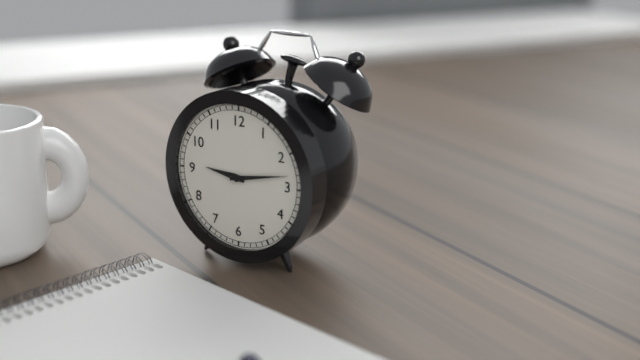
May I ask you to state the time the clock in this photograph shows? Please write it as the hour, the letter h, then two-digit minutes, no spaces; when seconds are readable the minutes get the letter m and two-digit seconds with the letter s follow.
9h13
